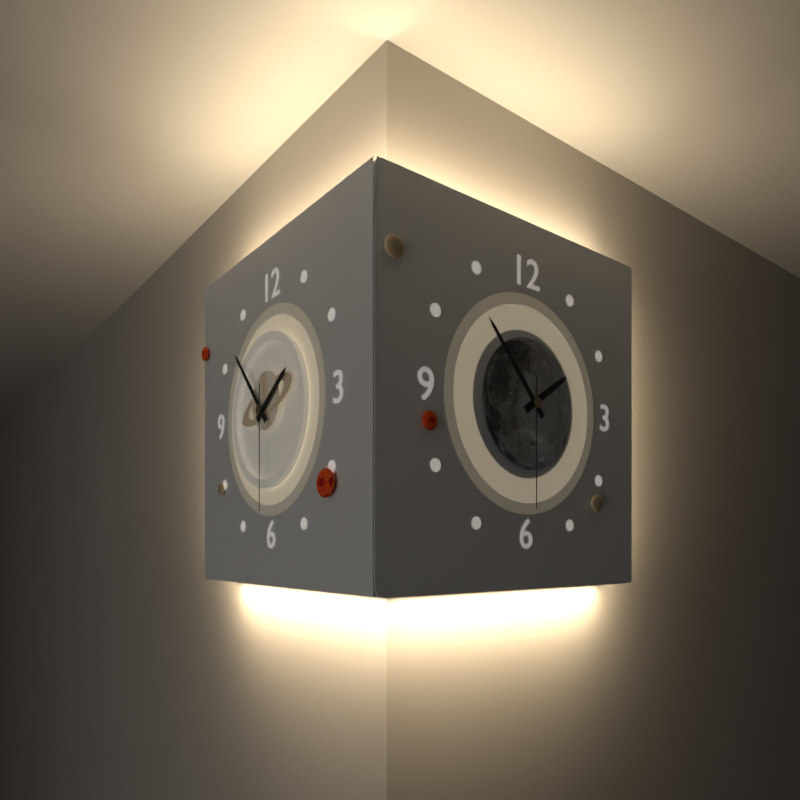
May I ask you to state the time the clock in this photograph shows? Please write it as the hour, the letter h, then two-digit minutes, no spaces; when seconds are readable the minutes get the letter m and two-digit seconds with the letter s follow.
1h53m30s
